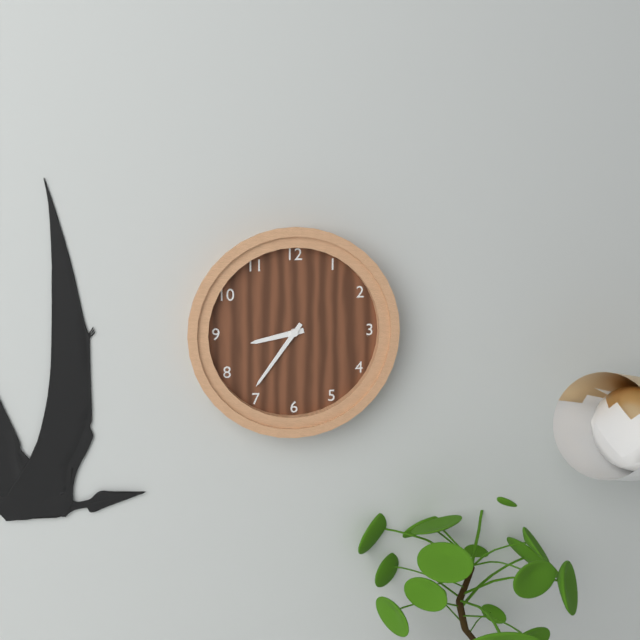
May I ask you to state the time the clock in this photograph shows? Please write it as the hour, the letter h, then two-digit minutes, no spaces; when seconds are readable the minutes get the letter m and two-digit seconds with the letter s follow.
8h36
